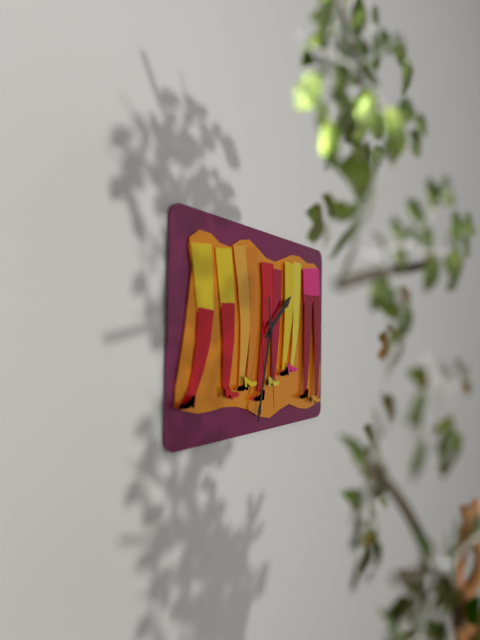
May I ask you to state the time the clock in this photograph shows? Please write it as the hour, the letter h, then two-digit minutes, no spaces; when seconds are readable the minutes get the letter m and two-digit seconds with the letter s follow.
1h32m29s
